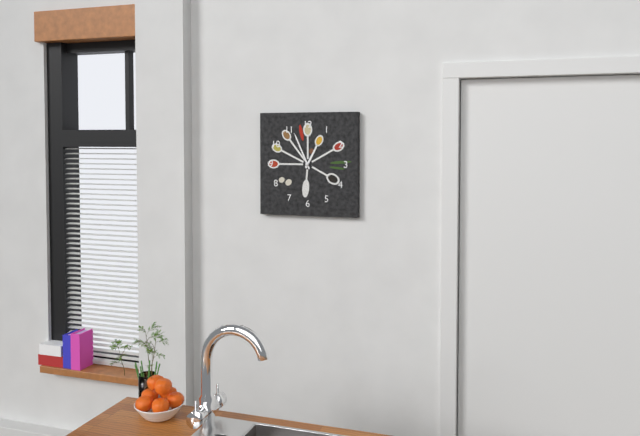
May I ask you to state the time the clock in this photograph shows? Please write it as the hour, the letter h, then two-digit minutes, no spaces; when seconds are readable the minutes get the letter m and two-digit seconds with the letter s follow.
12h56
